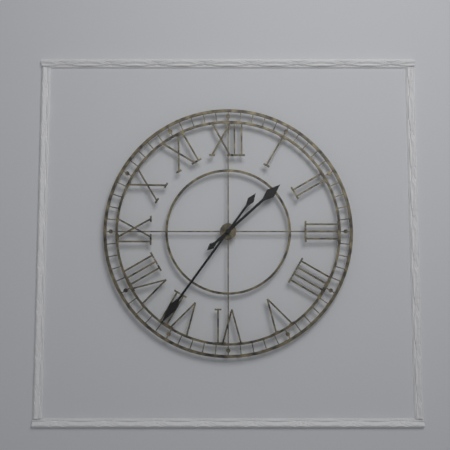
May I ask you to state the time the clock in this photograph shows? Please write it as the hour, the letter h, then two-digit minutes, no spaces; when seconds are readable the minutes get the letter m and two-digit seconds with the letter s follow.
1h36
